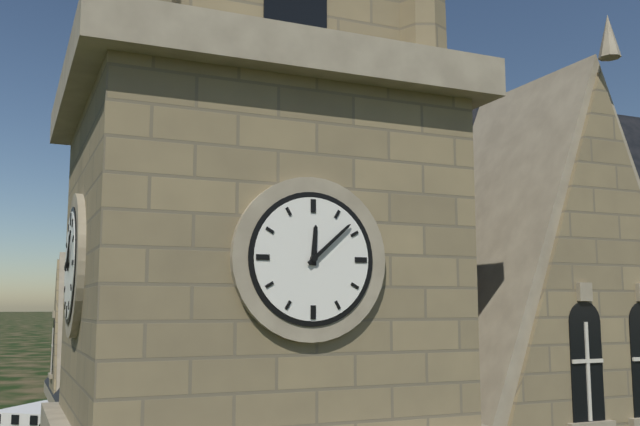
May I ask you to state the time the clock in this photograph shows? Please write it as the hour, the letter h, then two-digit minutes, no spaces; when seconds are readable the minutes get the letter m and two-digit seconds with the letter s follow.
12h08
